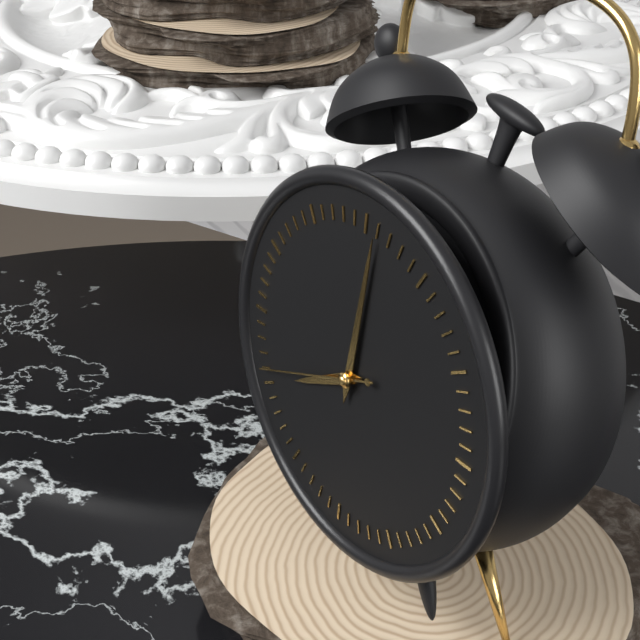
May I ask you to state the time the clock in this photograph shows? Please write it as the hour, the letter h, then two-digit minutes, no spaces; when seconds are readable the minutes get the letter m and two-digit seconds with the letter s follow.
8h01m41s
